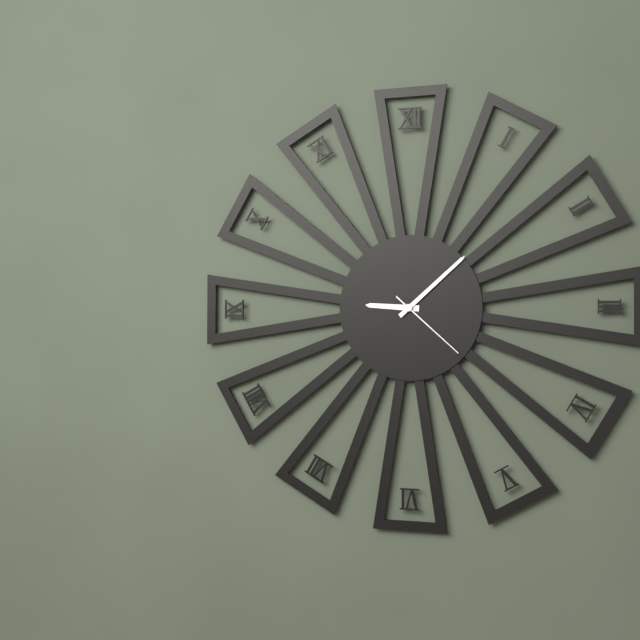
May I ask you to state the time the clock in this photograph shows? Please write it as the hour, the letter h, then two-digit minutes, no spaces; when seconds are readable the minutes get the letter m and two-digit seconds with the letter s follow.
9h08m22s
